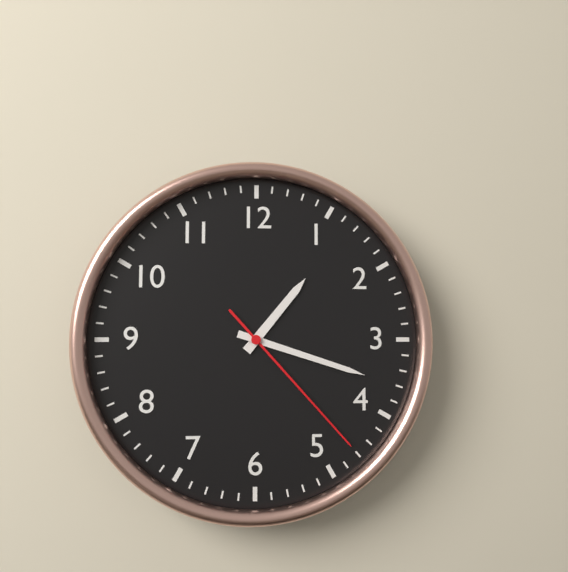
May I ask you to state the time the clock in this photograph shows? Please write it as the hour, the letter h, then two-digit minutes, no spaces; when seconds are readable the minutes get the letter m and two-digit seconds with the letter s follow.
1h18m23s
